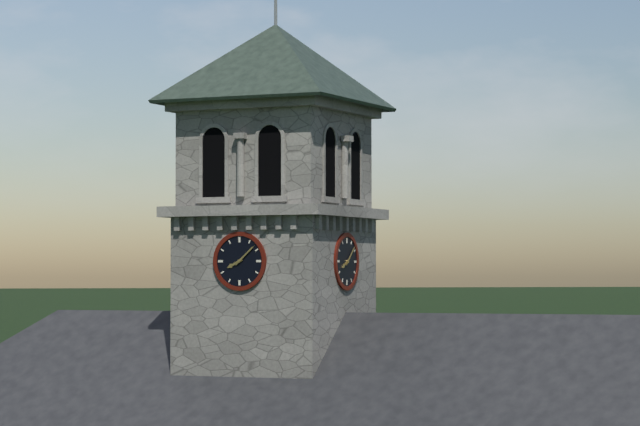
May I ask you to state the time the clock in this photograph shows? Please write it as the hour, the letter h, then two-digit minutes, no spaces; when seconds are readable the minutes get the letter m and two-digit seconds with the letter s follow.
8h08
